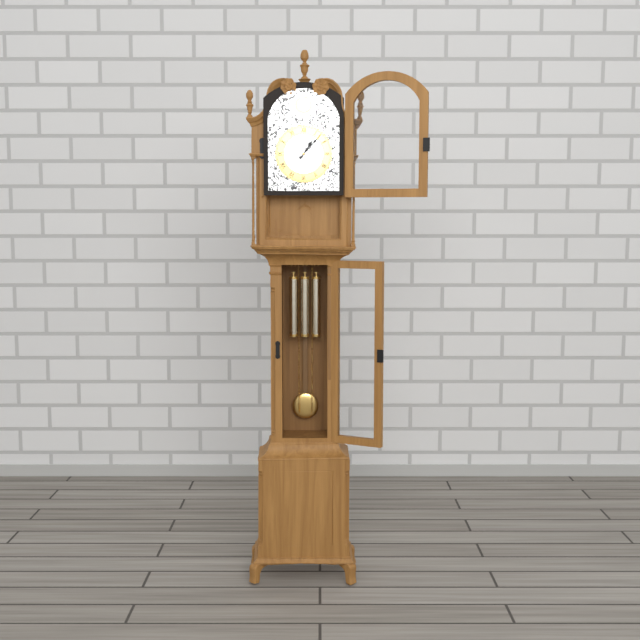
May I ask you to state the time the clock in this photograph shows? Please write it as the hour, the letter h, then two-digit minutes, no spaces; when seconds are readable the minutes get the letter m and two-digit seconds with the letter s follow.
1h07
